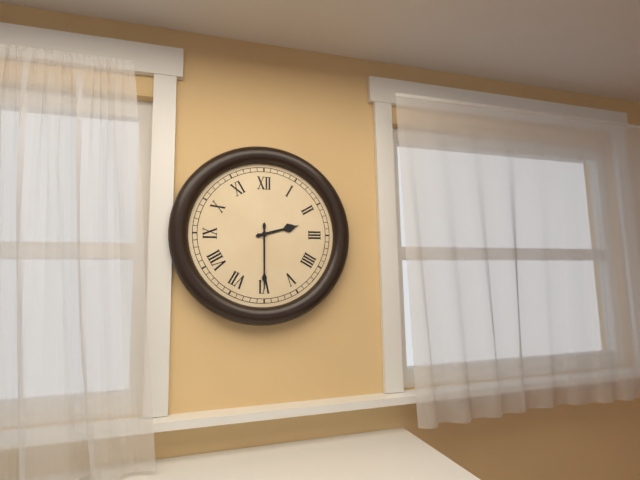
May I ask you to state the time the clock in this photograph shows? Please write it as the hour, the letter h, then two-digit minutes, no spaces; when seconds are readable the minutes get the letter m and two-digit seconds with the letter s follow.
2h30
